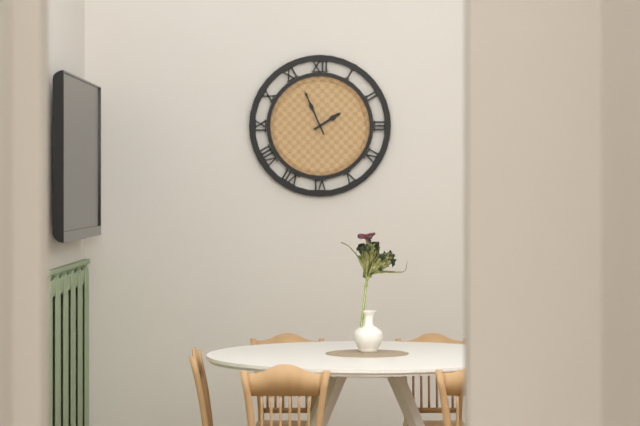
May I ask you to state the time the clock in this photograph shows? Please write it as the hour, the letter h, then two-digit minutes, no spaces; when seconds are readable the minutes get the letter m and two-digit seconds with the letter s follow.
1h56
